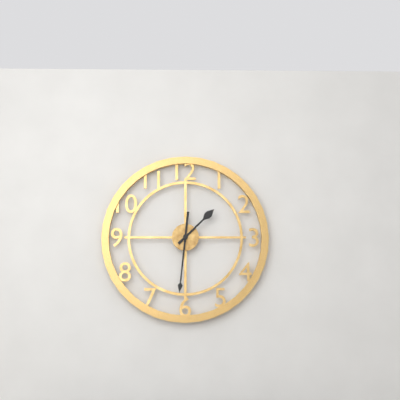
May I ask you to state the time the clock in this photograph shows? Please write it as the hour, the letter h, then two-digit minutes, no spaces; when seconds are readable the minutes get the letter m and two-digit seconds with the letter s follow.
1h31
